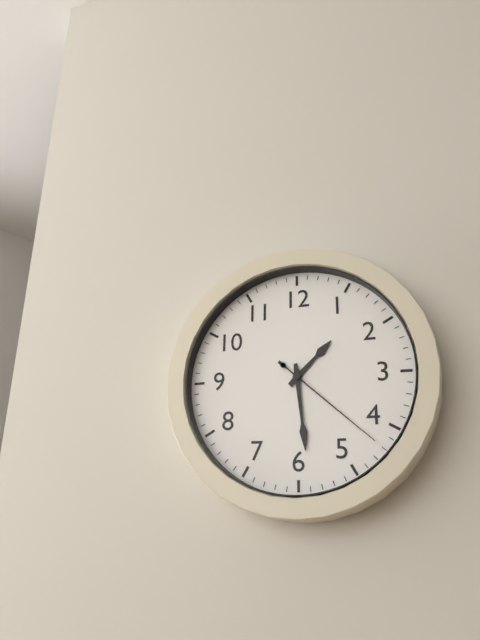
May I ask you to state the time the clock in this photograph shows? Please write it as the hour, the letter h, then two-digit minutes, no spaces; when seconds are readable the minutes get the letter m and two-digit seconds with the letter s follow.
1h29m22s
